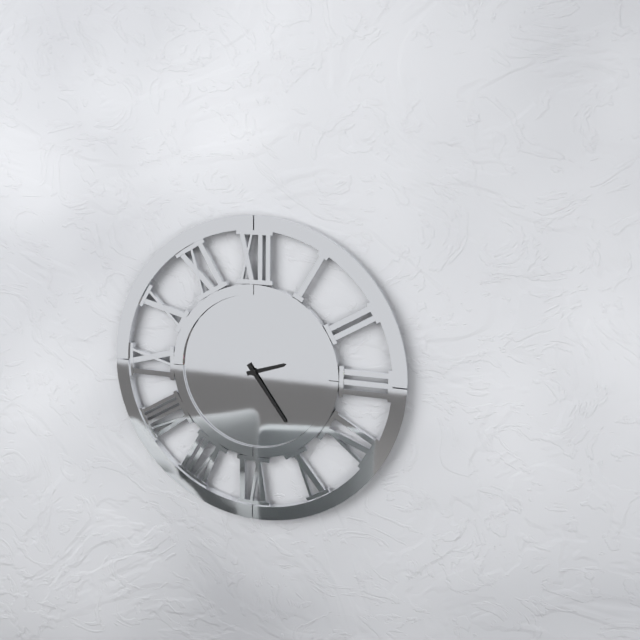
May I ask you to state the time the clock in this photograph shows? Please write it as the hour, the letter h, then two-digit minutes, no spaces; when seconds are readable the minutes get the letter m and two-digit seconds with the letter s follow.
2h24
